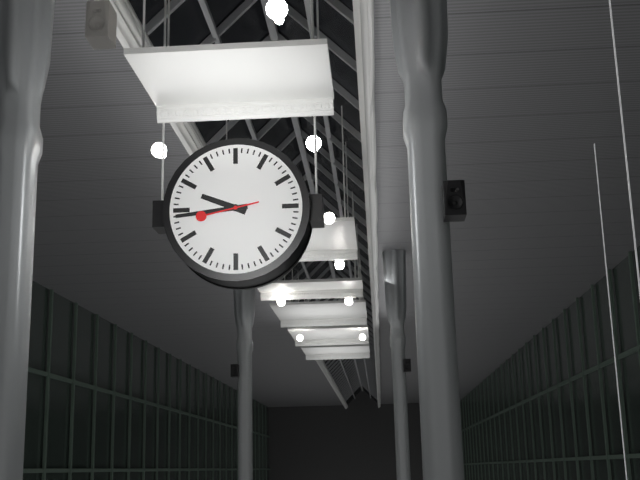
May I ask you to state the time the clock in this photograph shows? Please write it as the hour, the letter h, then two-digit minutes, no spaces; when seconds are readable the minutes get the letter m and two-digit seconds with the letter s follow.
9h44m43s
